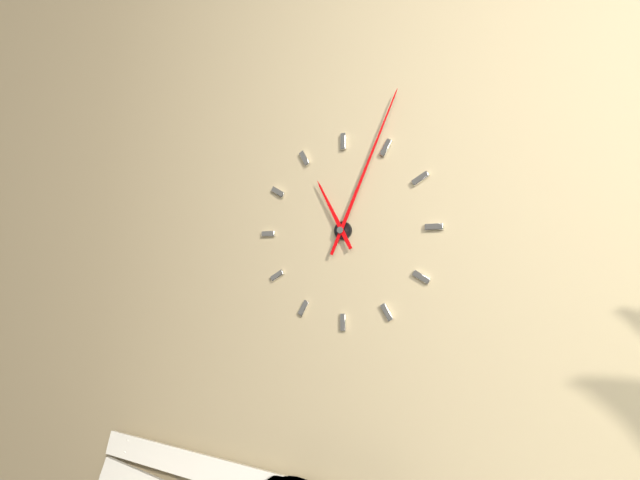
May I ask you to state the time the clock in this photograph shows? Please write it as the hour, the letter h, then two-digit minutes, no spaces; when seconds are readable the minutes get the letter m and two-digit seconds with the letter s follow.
11h04
